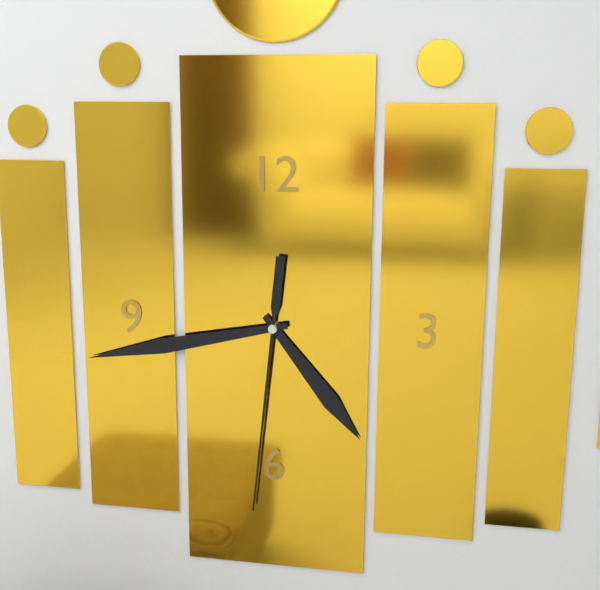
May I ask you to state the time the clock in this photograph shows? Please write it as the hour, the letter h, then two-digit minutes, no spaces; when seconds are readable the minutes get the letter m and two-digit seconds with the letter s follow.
4h43m31s
